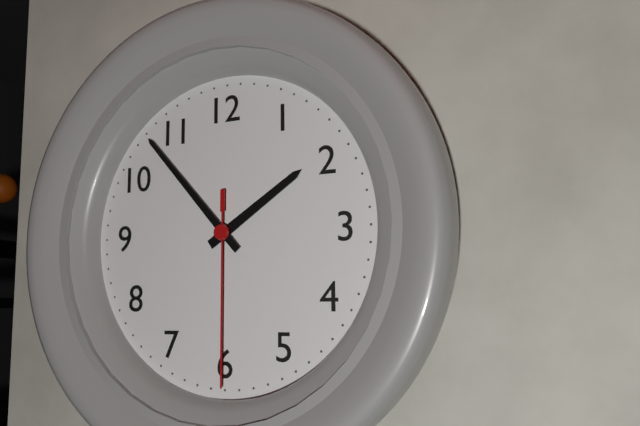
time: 1:53:30
